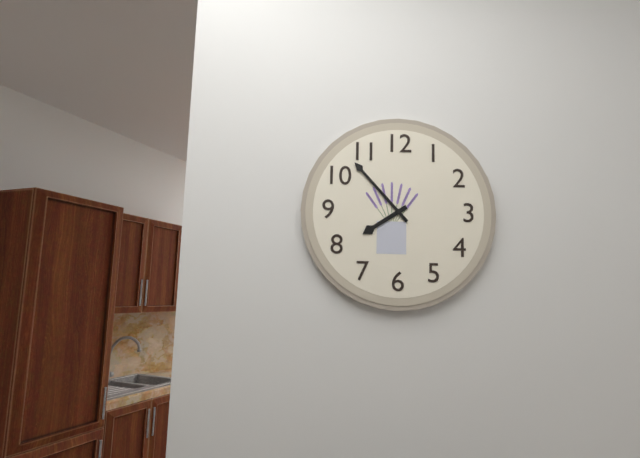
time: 7:53
